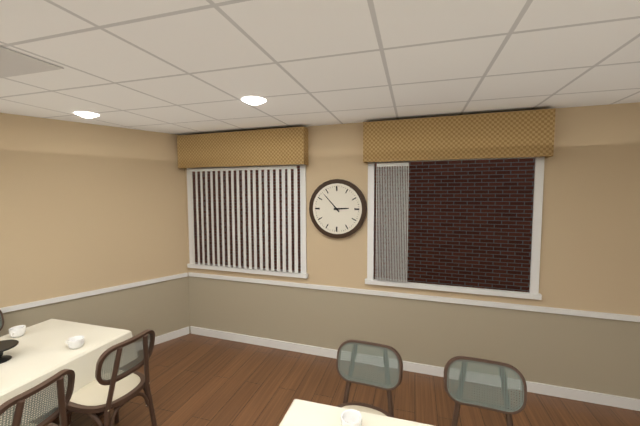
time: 2:53
